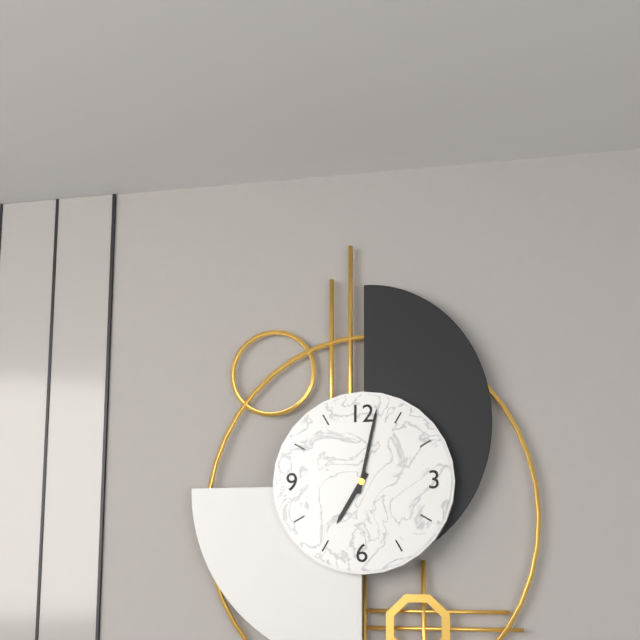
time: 7:02
